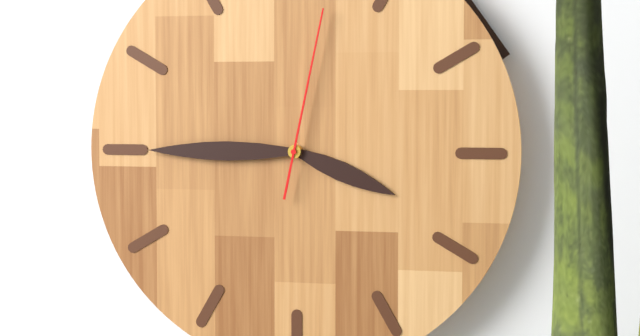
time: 3:45:02
